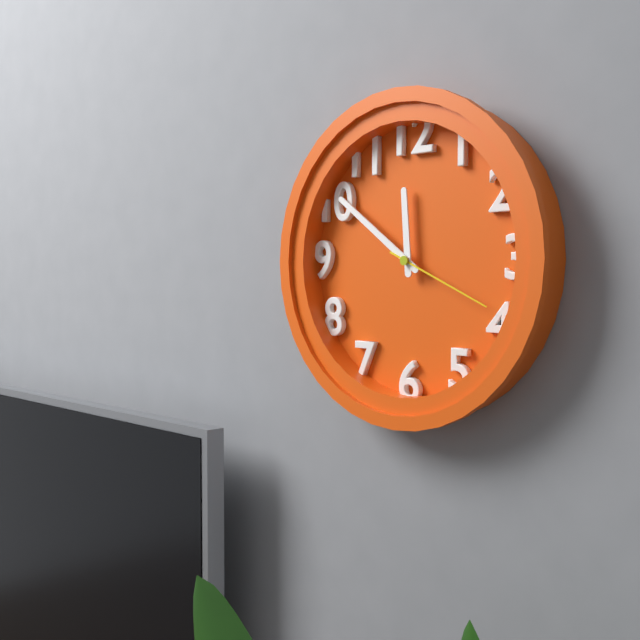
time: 11:51:19
